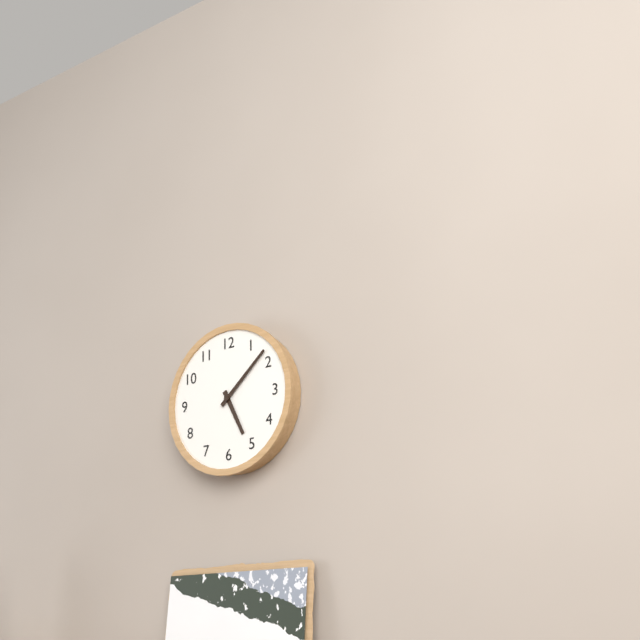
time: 5:08
